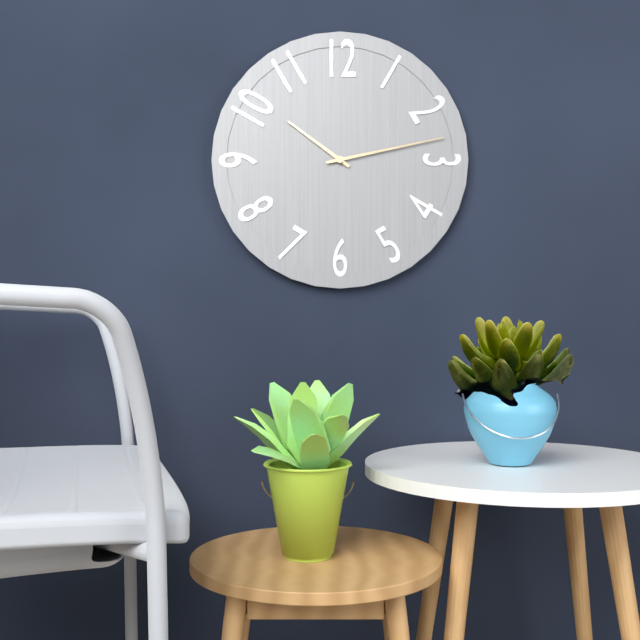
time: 10:13
